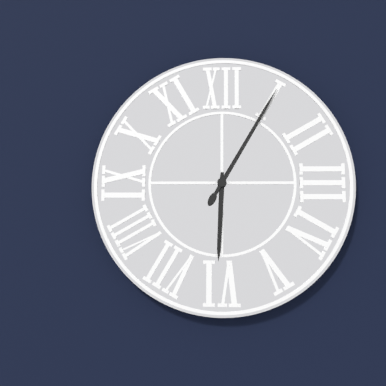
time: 6:05
